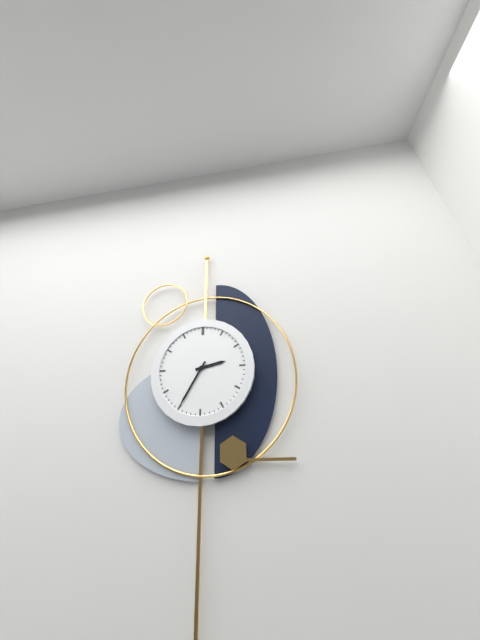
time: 2:35
